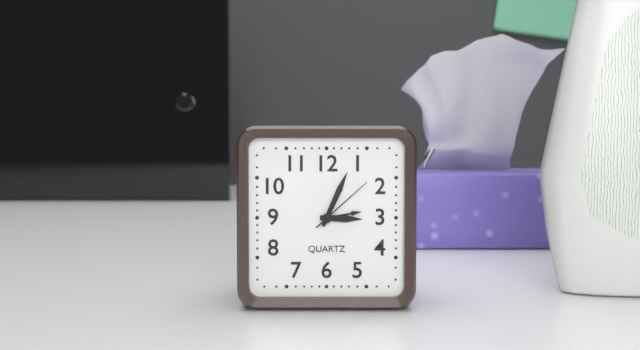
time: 3:04:08
